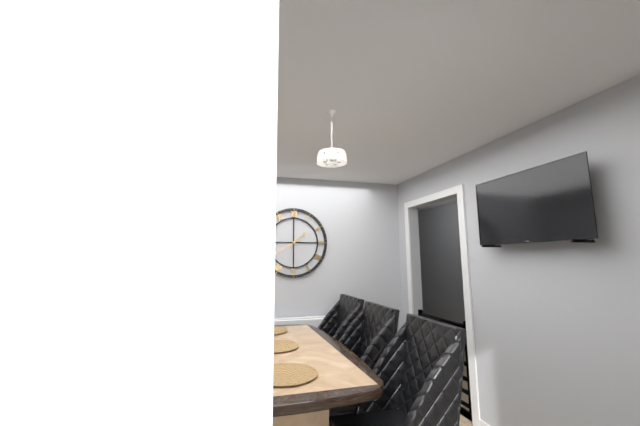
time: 1:40
